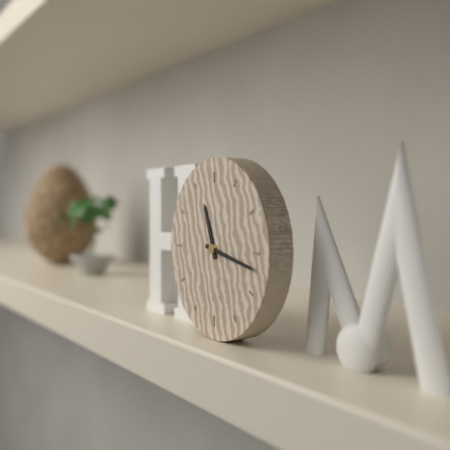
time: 11:17
